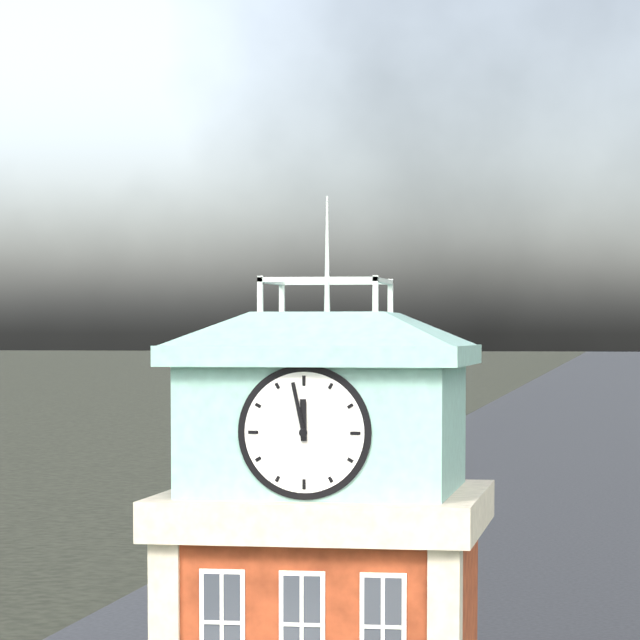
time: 11:58
